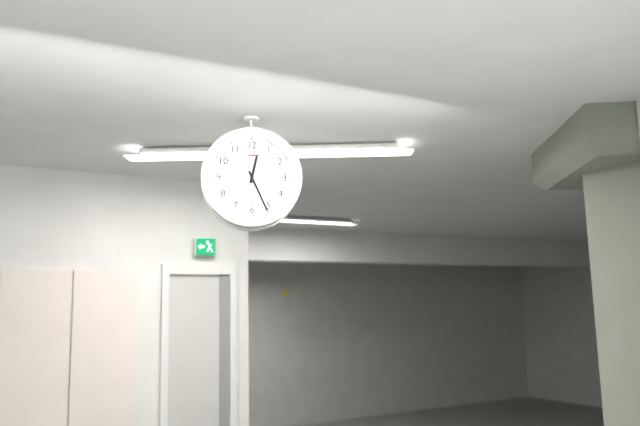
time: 12:26
